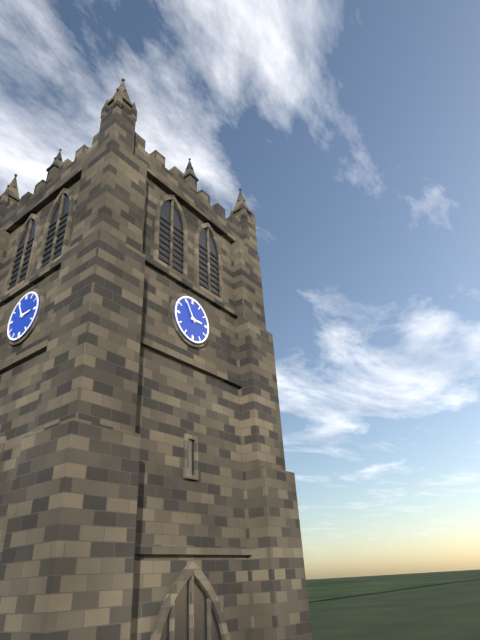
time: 2:55
